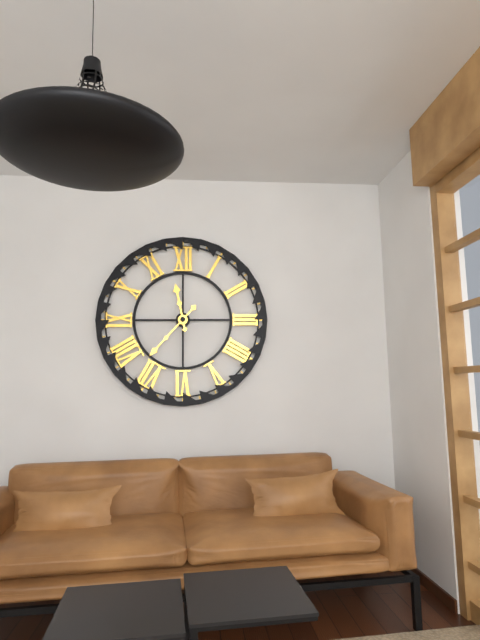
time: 11:37
